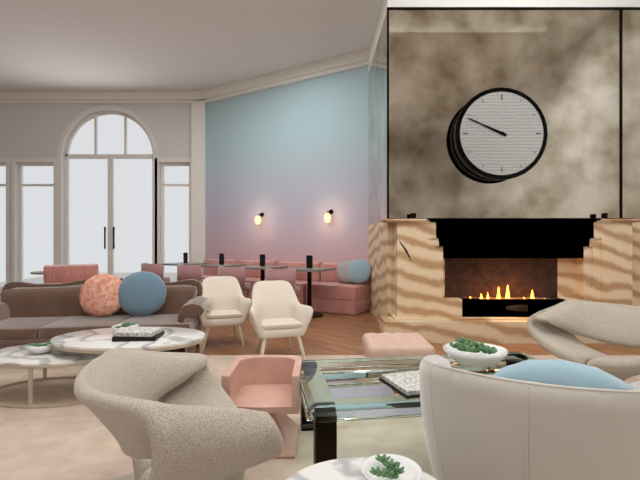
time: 9:49
